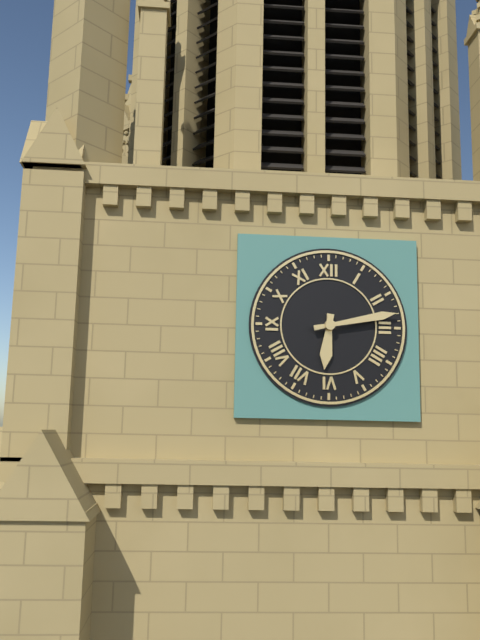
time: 6:13
